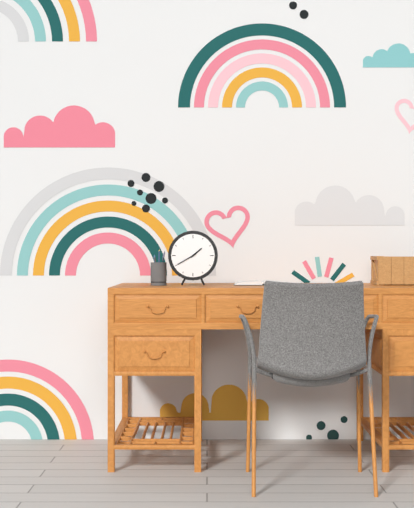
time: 1:40
